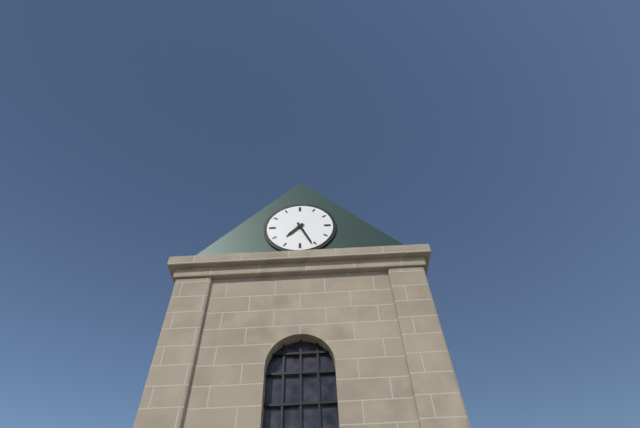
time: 7:26
